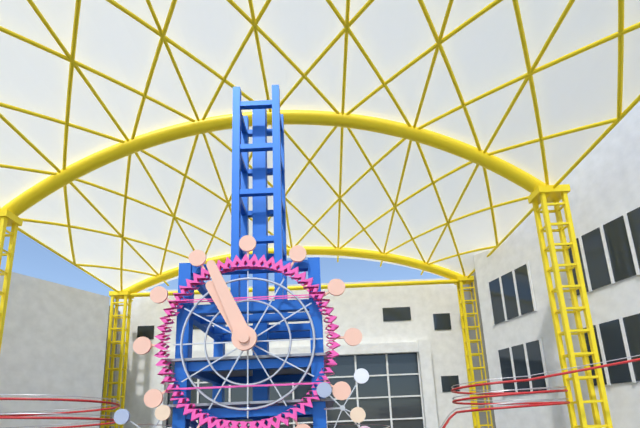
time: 10:56
